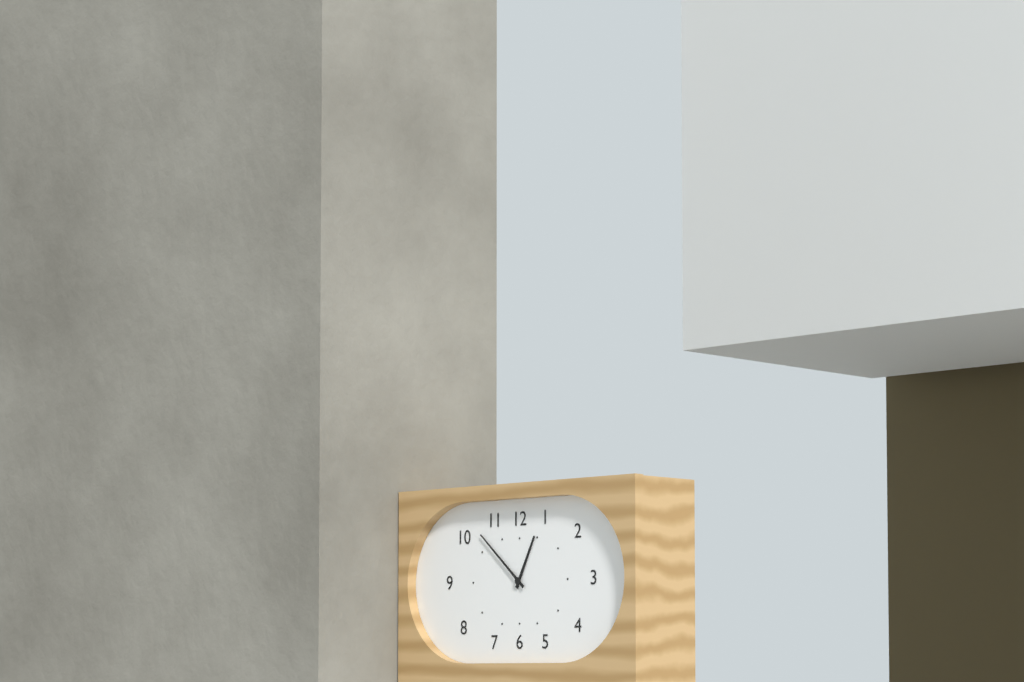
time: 12:52
